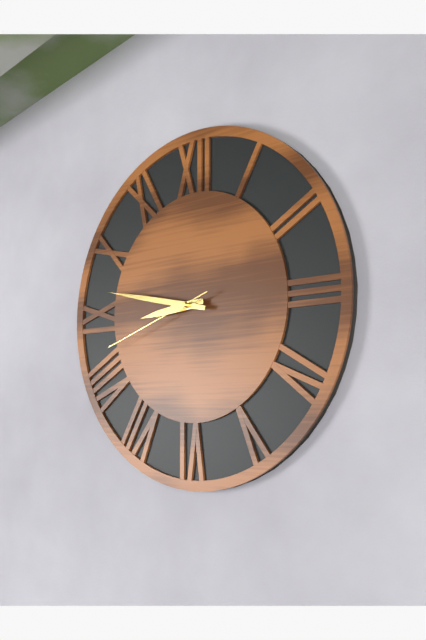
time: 8:47:42
